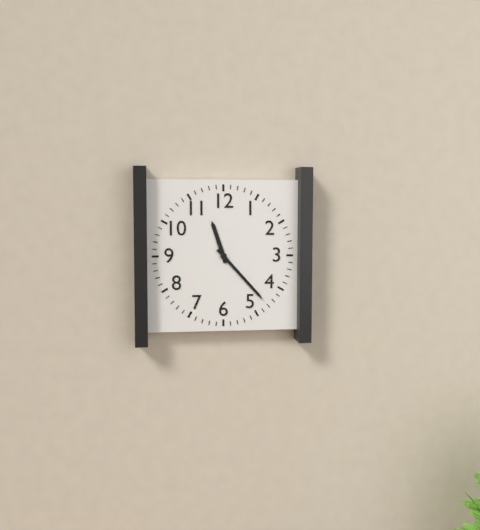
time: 11:23
